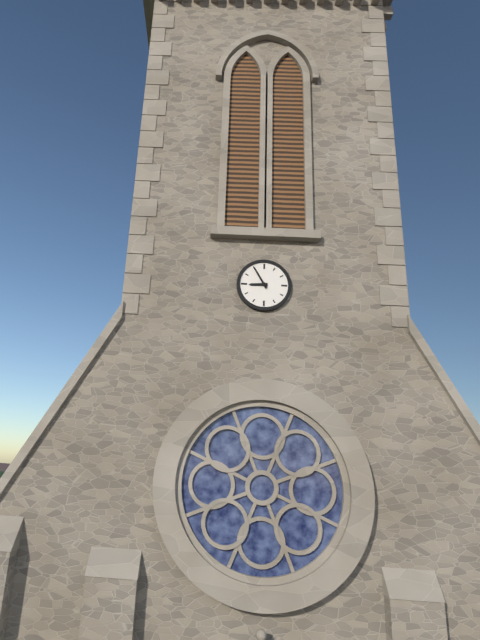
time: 8:55
